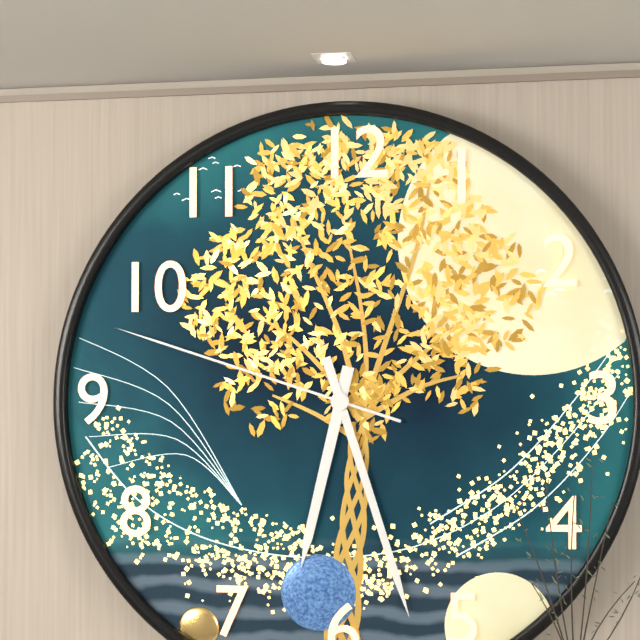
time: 6:27:48
